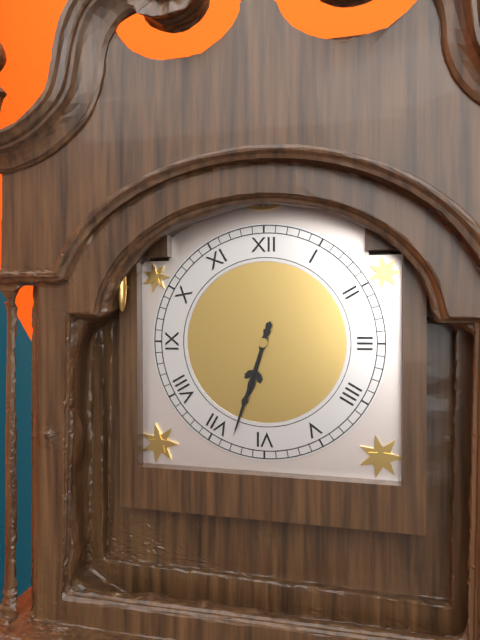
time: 6:33
